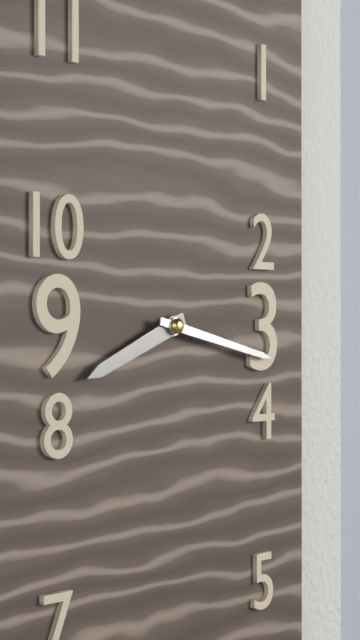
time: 8:17
